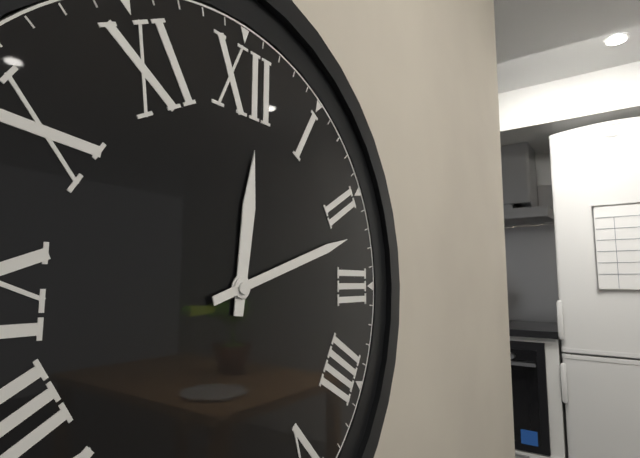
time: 12:12
